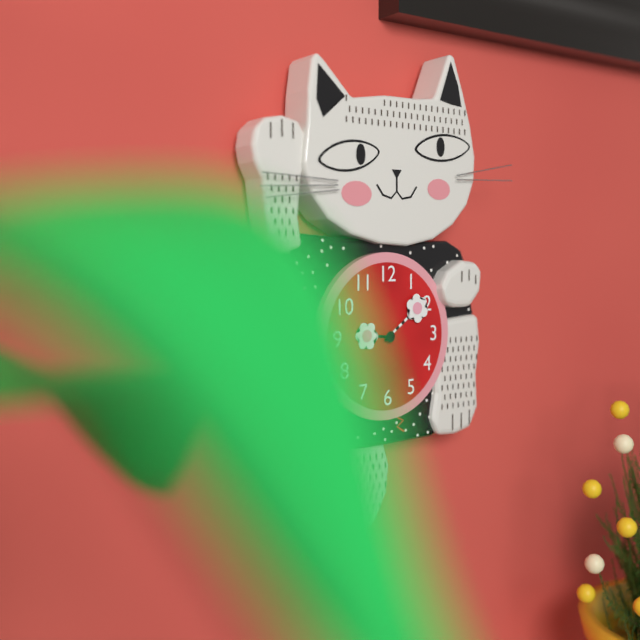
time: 9:09
